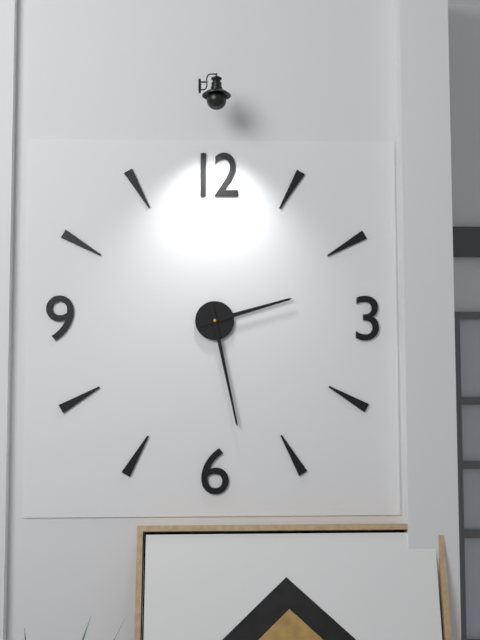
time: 2:28
